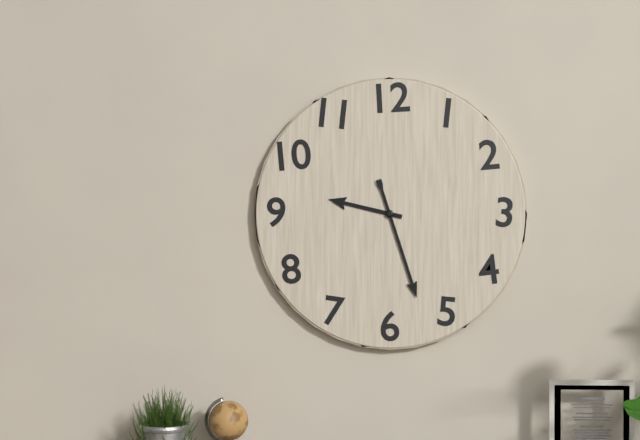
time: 9:27
